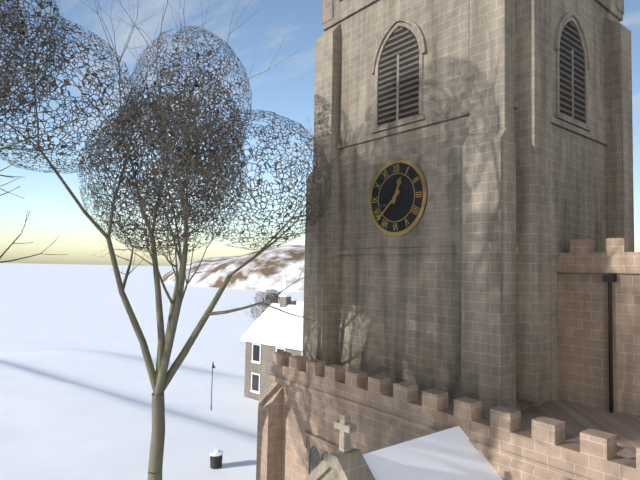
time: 12:38
